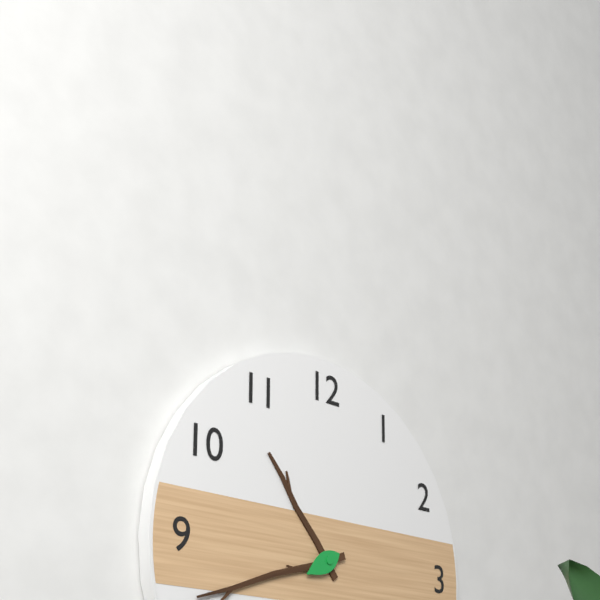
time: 10:42
